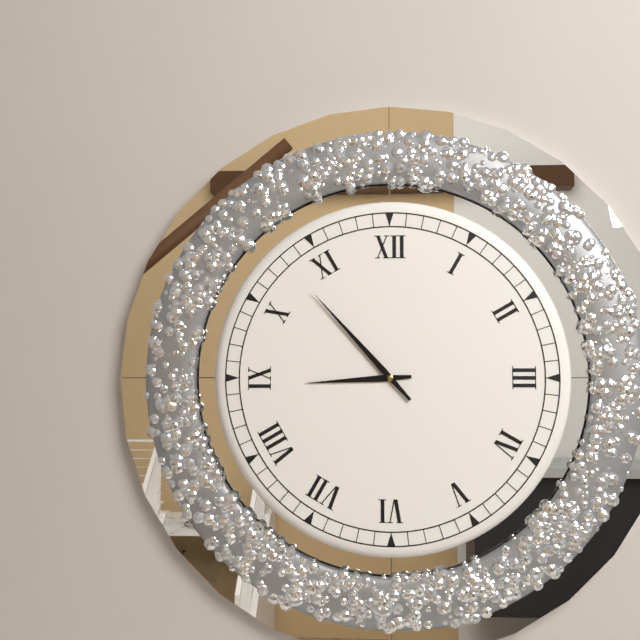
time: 8:53
